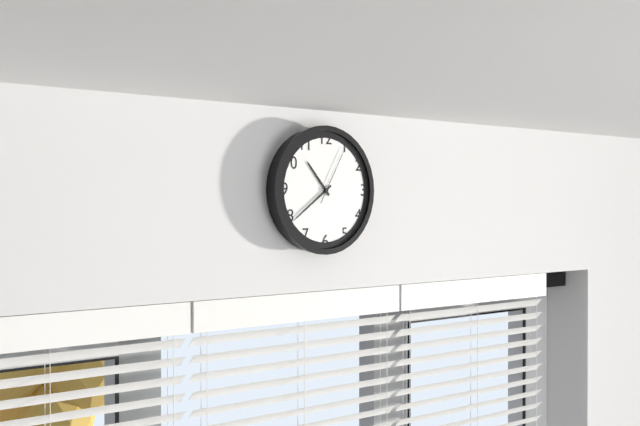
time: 10:39:05
